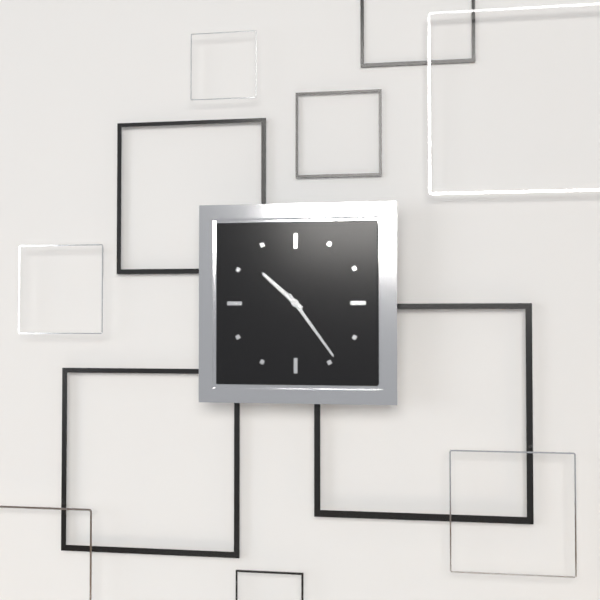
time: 10:24
